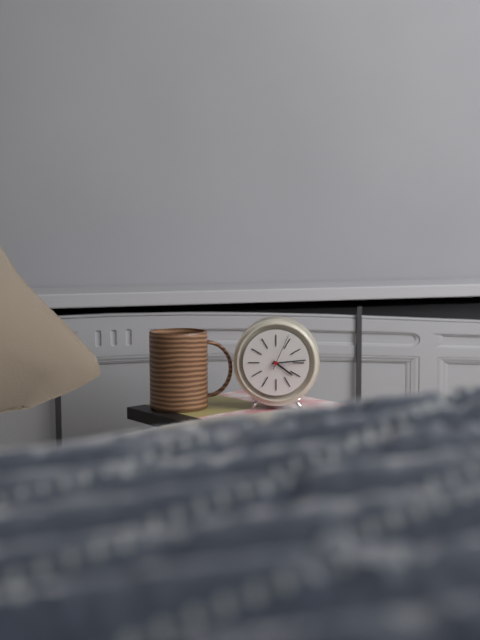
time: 4:14
